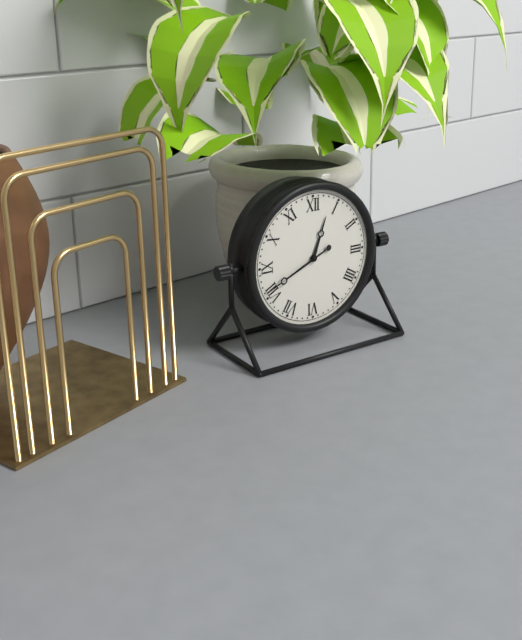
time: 12:41
